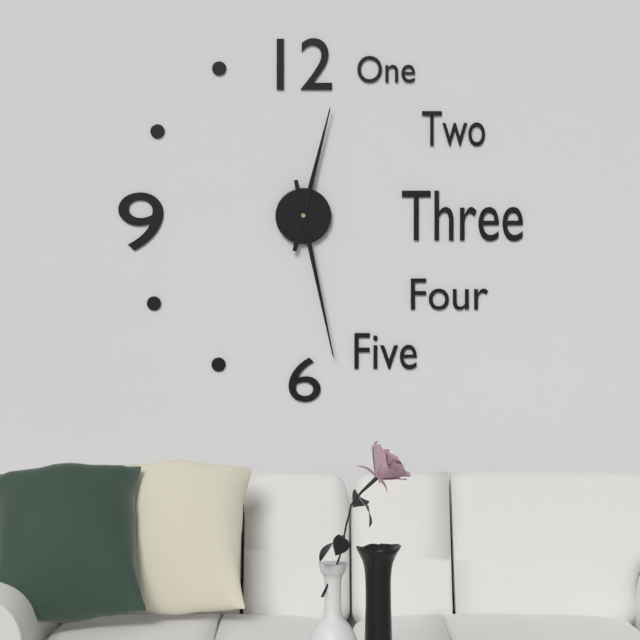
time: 12:28
